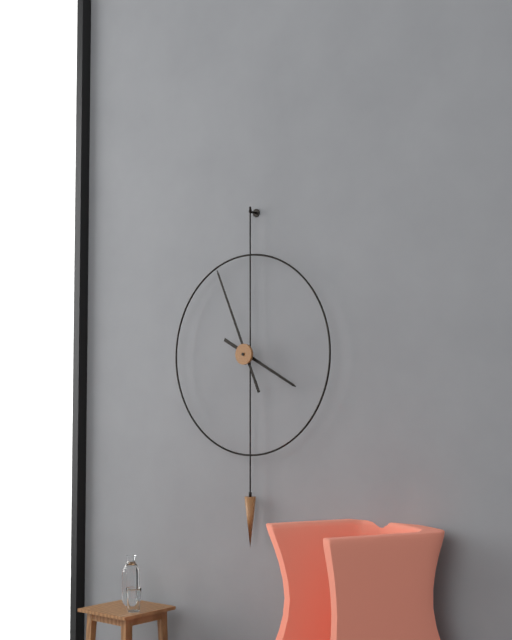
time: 3:56
